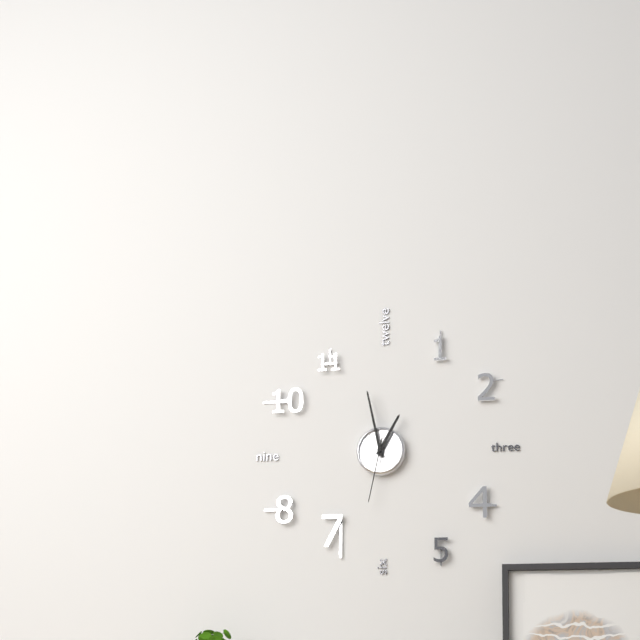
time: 12:58:32
